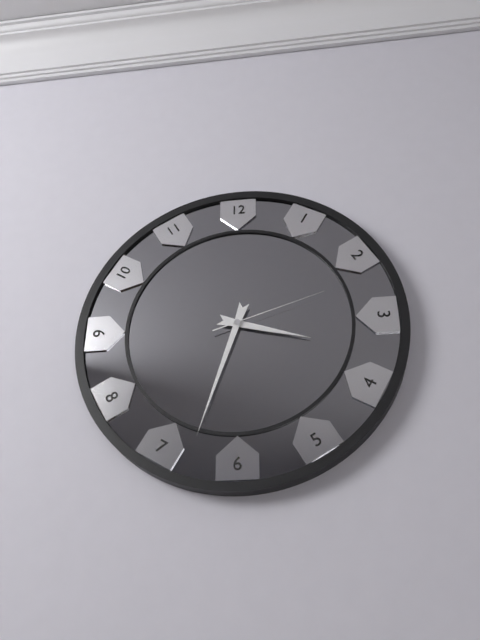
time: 3:33:12
